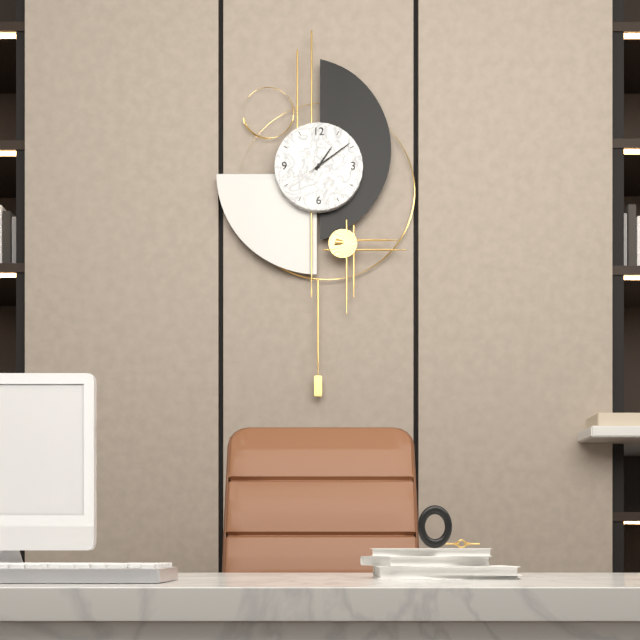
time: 1:09
